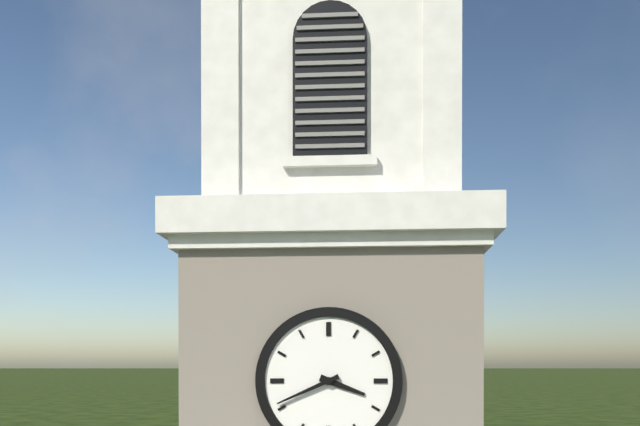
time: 3:41
